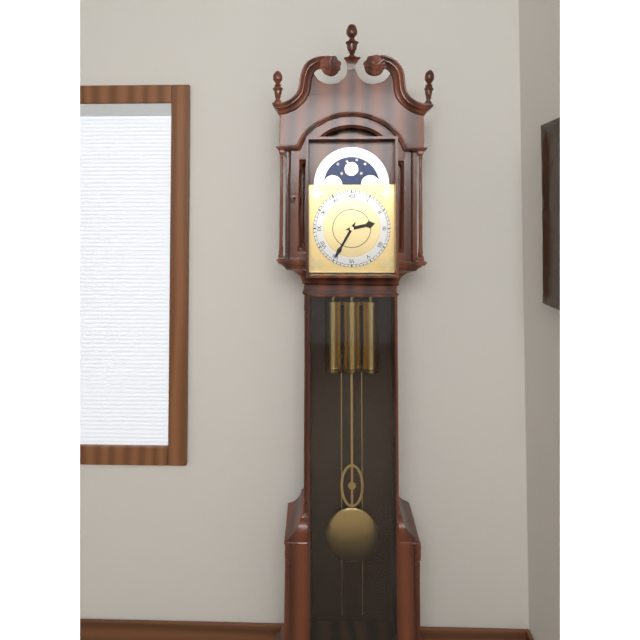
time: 2:35
